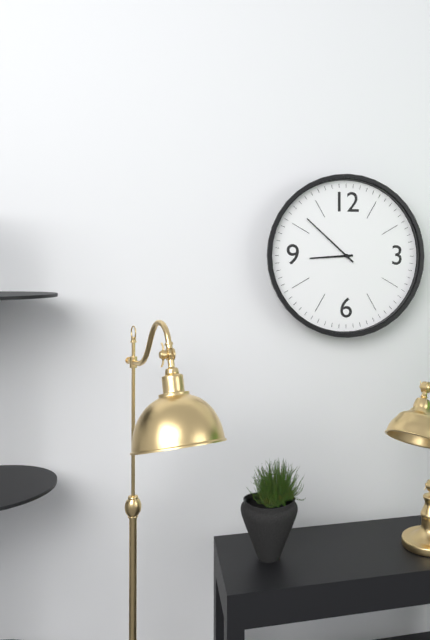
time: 8:52
